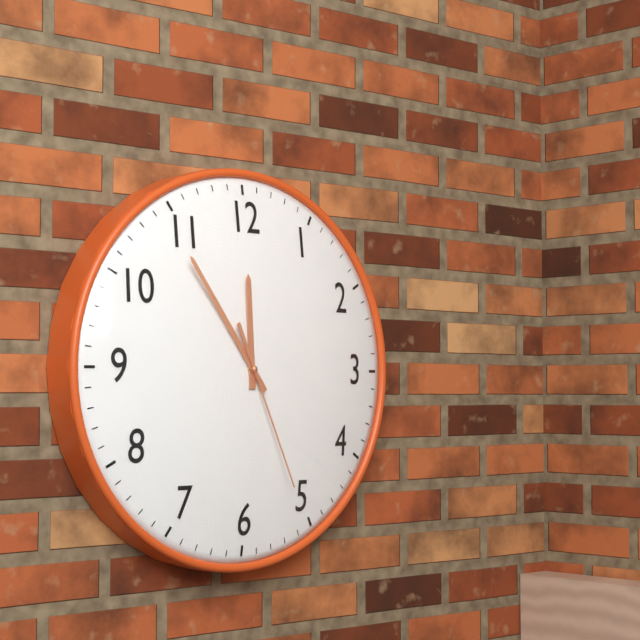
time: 11:54:26
